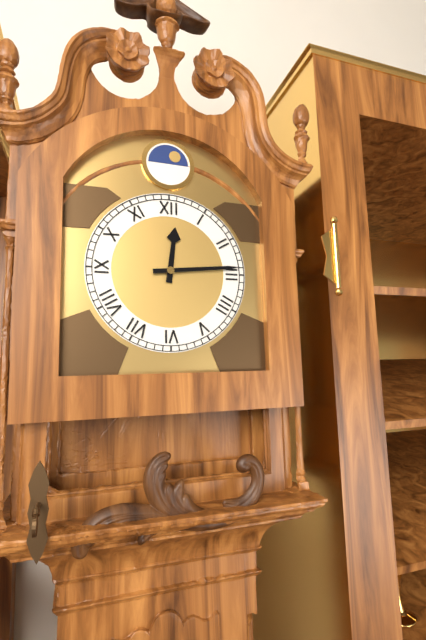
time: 12:14
